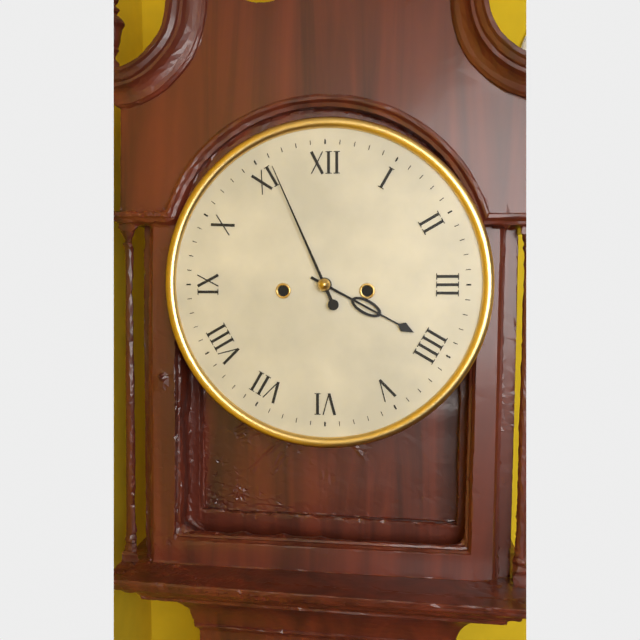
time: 3:56
